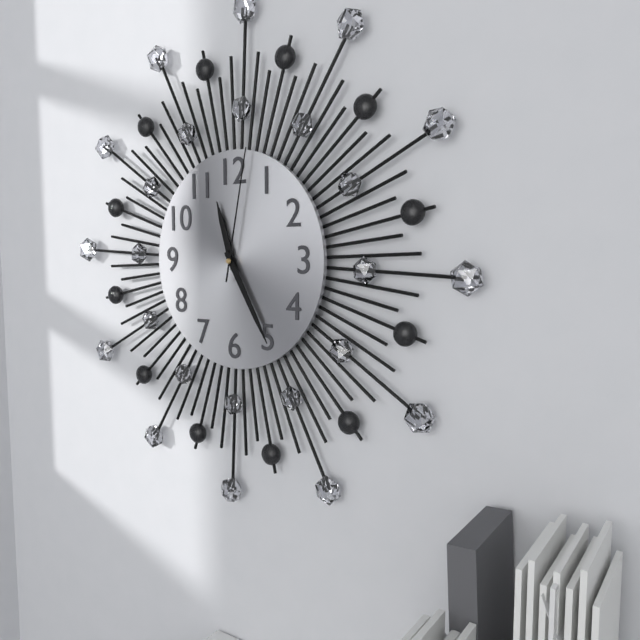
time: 11:25:02
